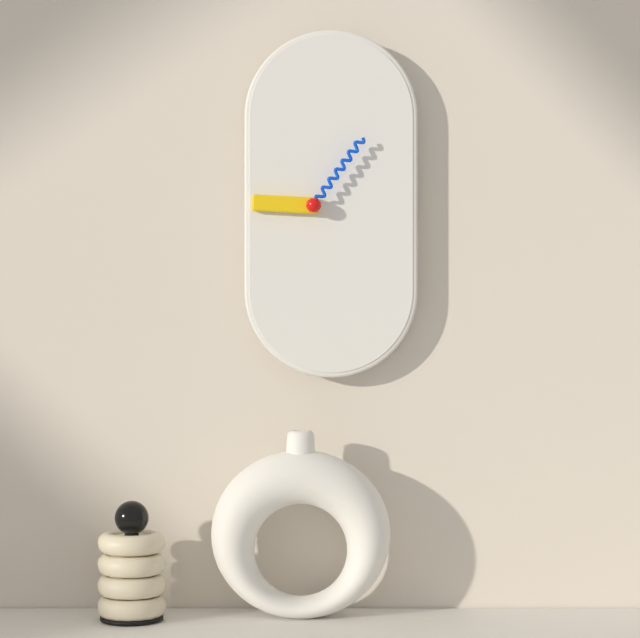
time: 9:06
